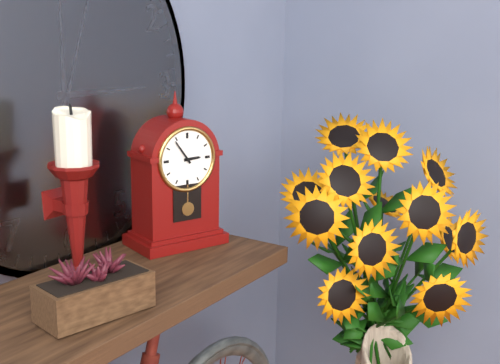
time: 2:54
